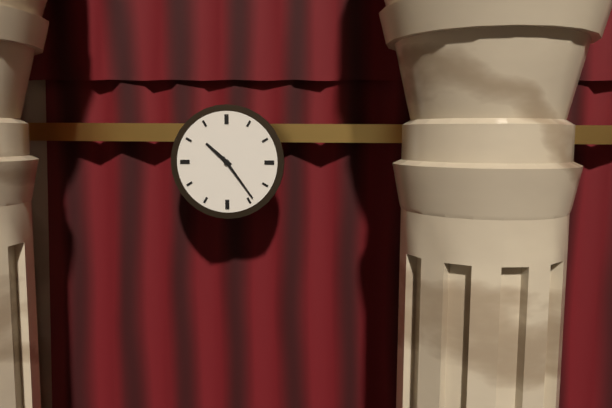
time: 10:24
